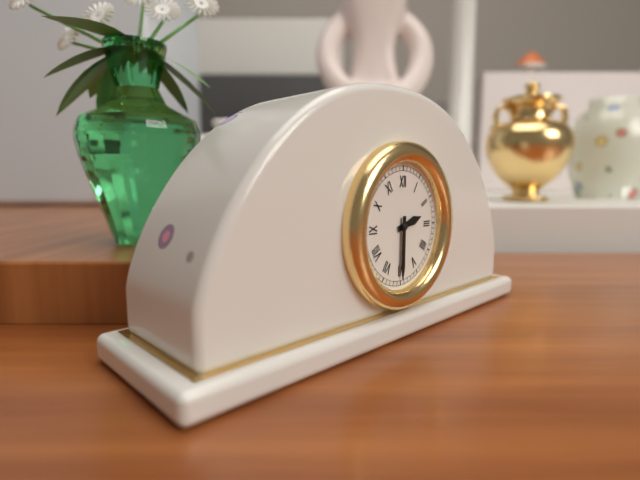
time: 2:30
